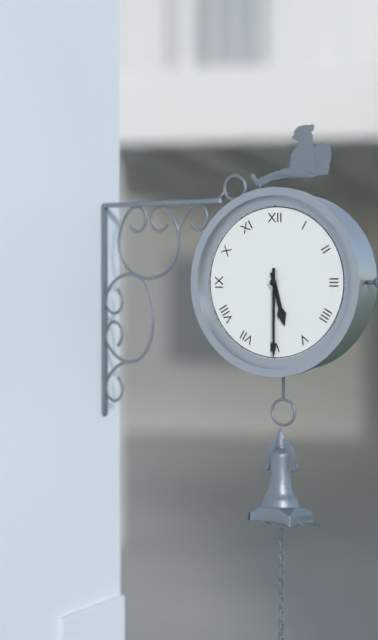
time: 5:30
